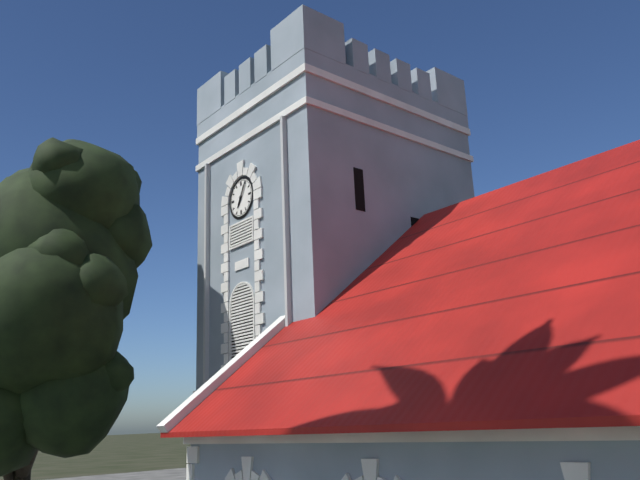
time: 7:05
